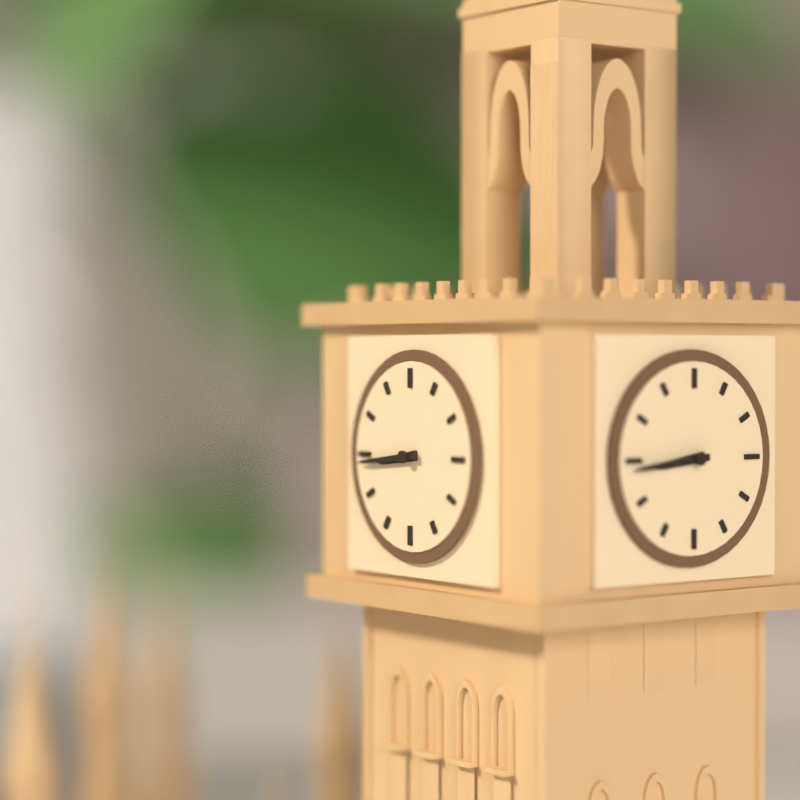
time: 8:44
